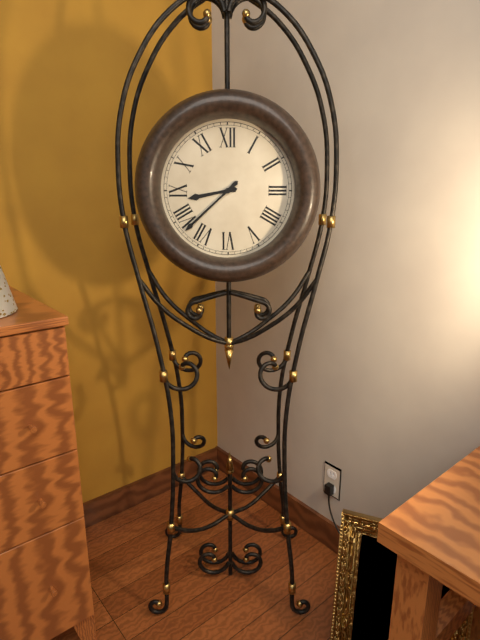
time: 8:38
